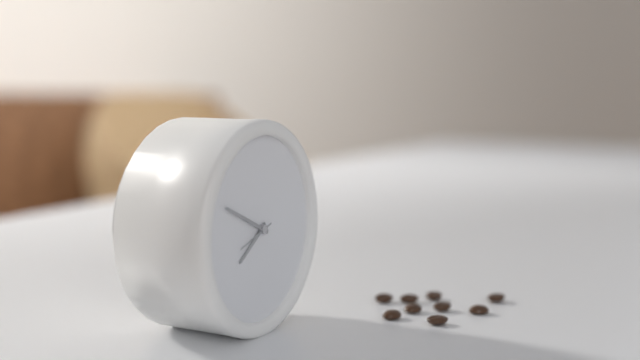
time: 7:49
